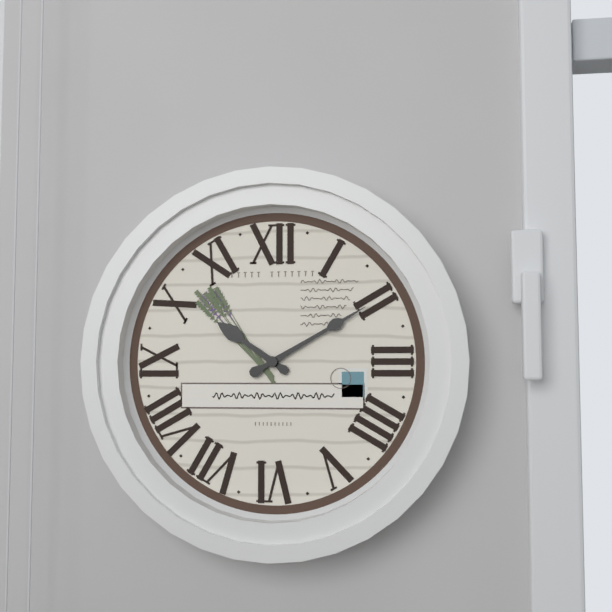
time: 10:10
